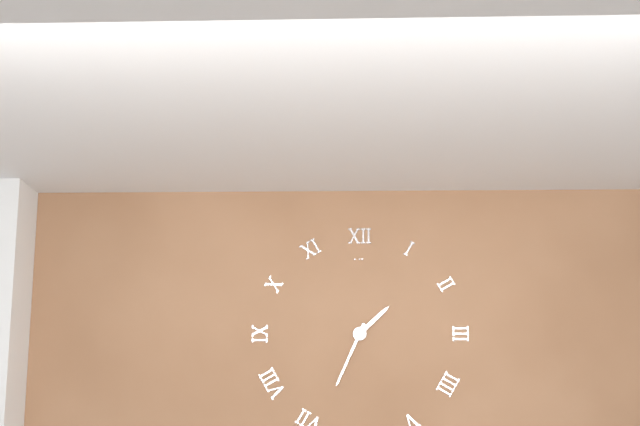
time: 1:34
